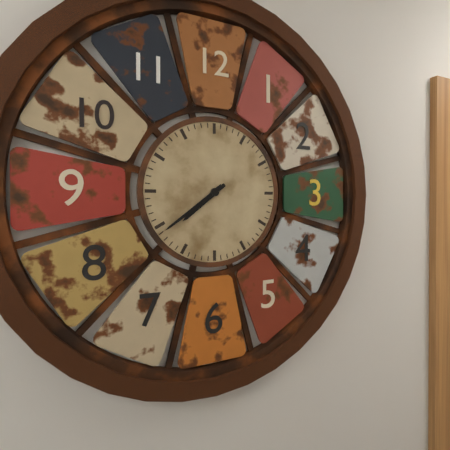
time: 7:39
